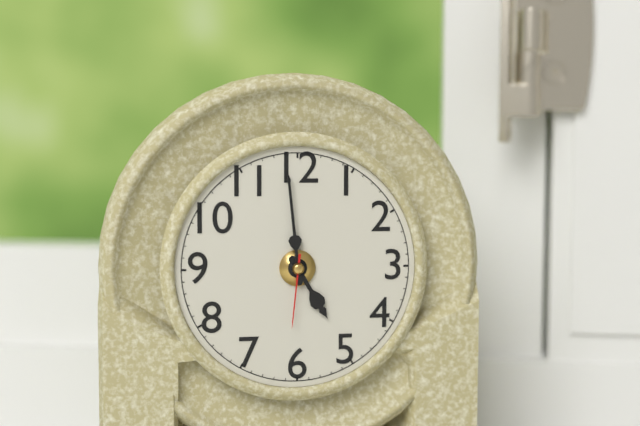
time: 4:59:31
